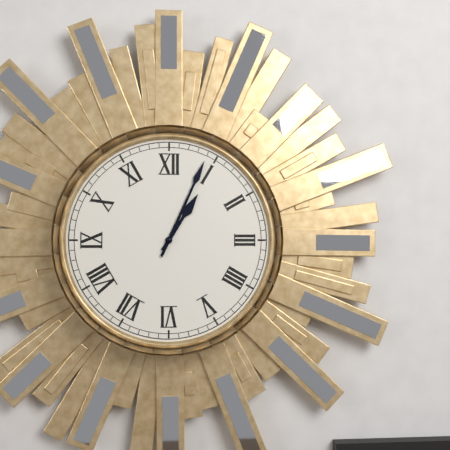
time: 1:04
